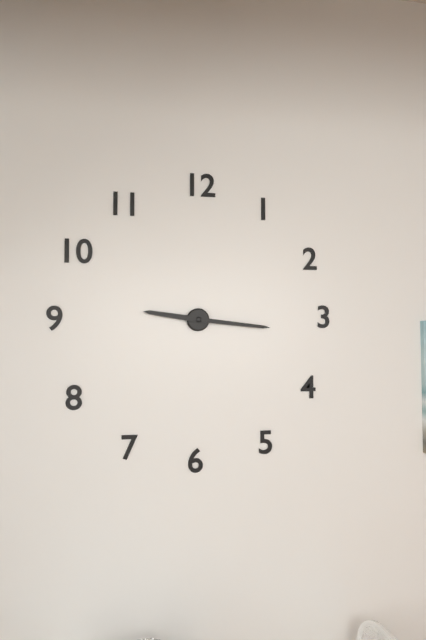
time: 9:16
